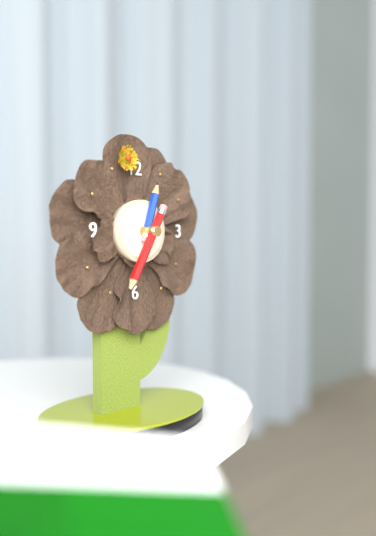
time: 12:35
